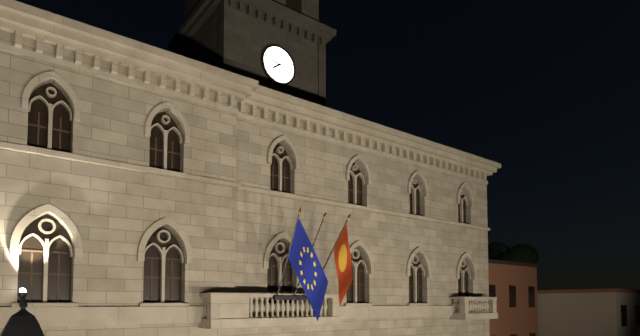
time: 7:47
